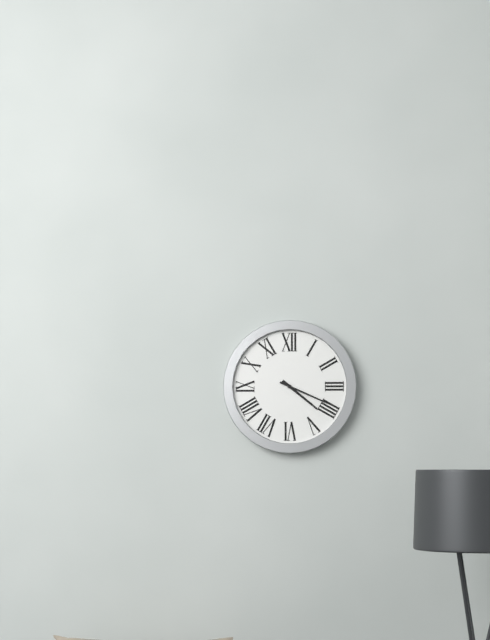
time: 4:19
